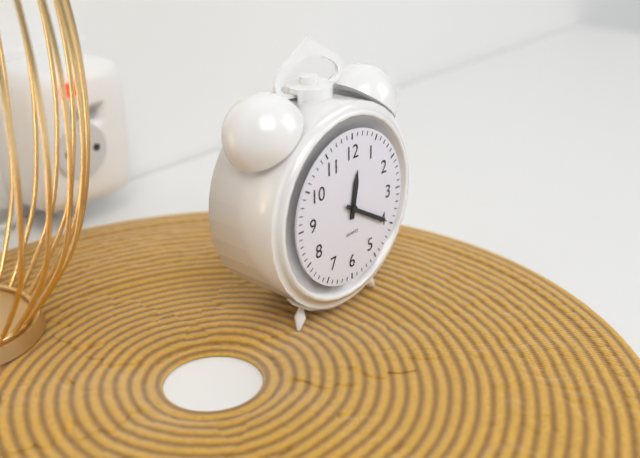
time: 12:20
